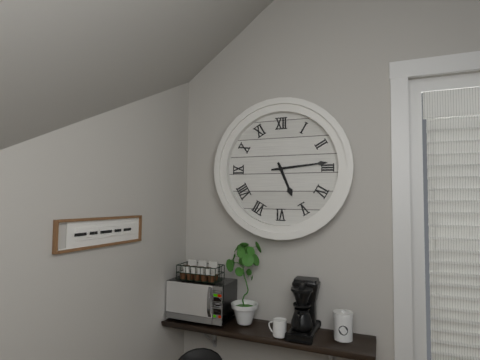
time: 5:14
